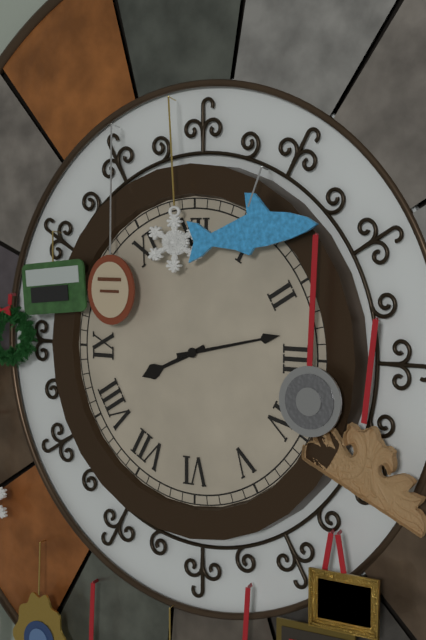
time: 8:13
